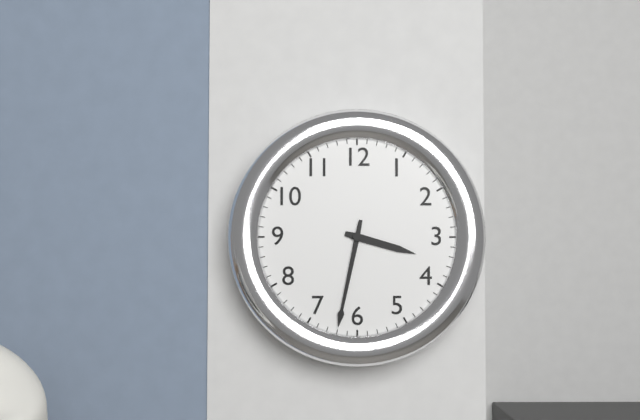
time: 3:32
